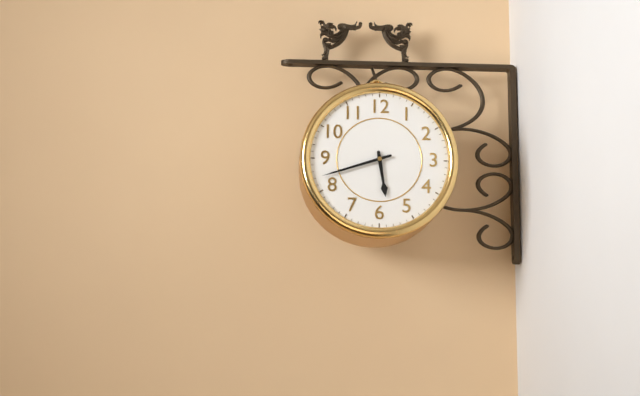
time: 5:42
